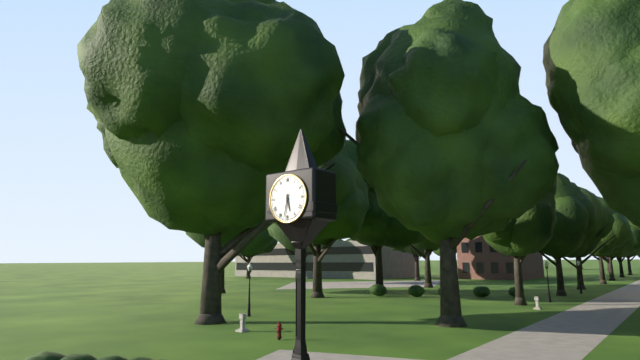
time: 5:32
